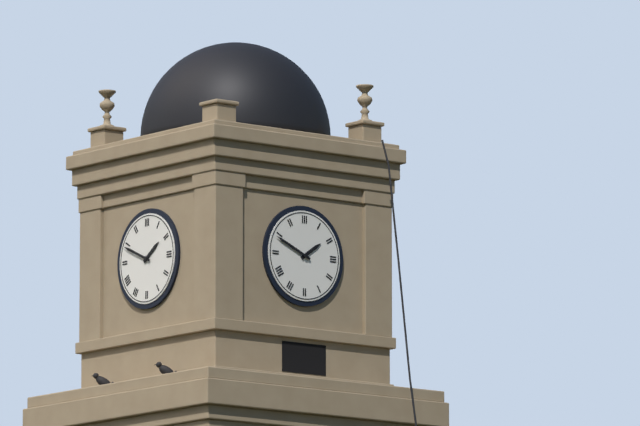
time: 1:49
